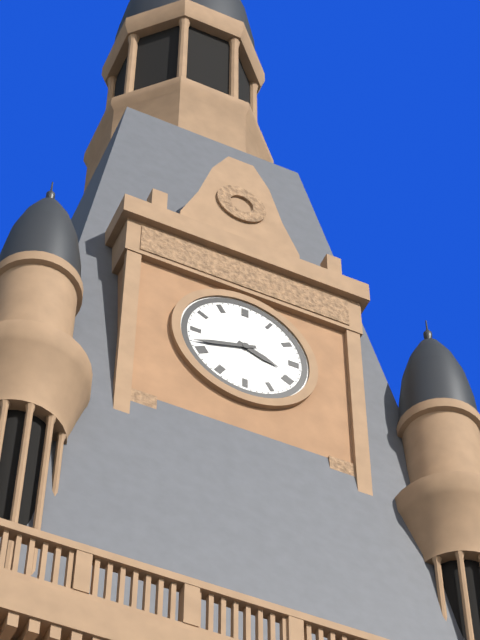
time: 3:42
